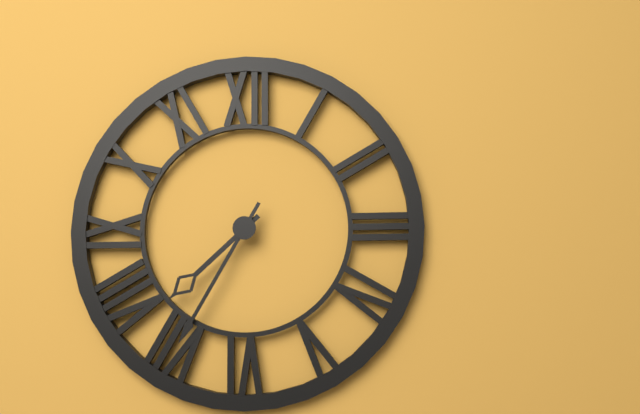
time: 7:35
